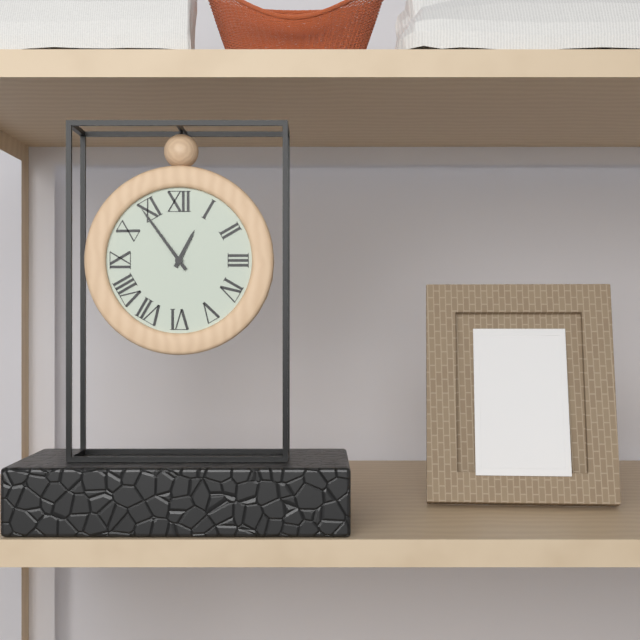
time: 12:54
